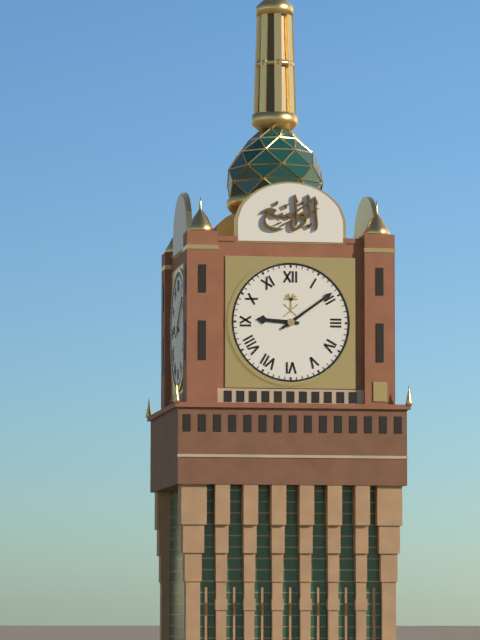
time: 9:09
